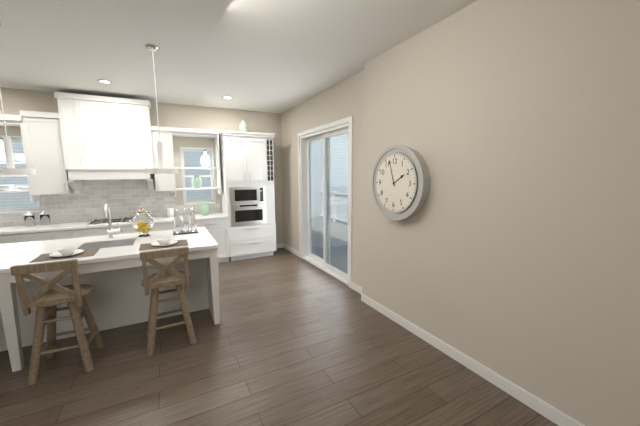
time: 1:57
